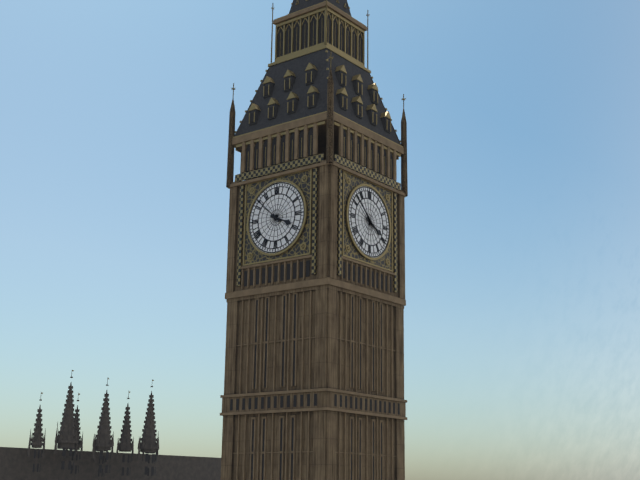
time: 3:52
